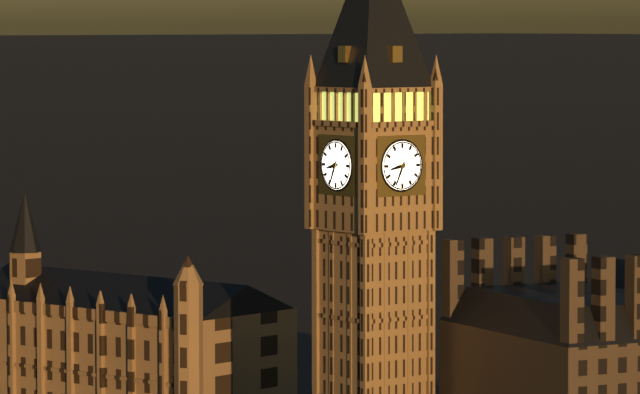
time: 8:34
